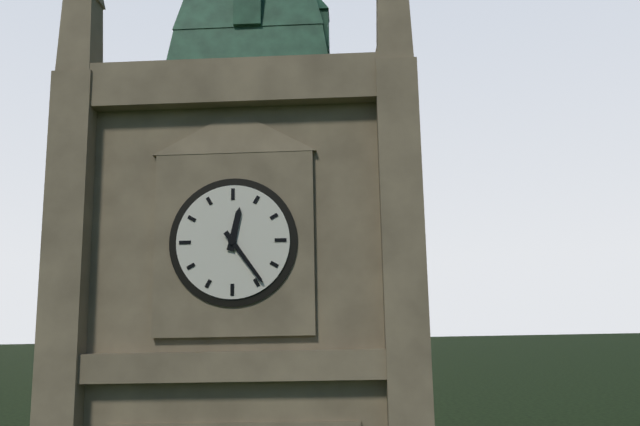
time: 12:24
